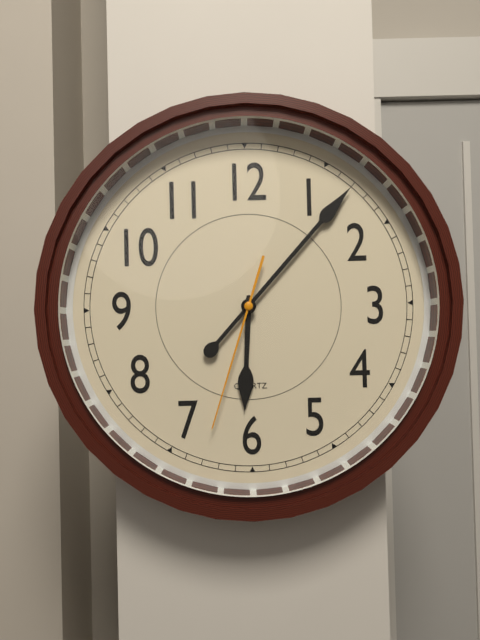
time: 6:07:33
